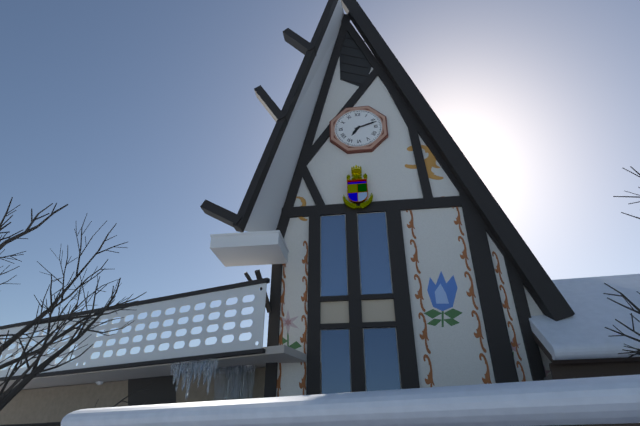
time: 7:12
